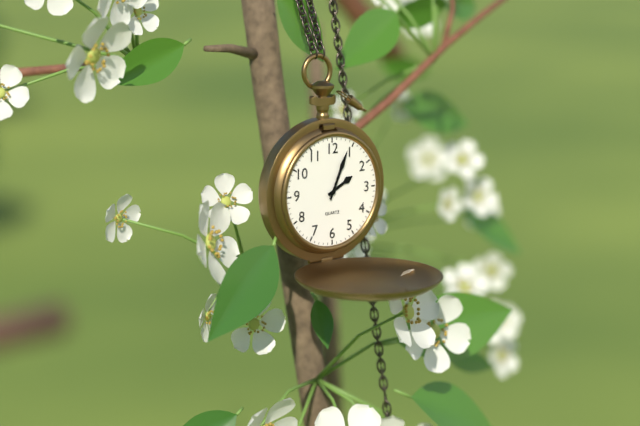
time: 2:04
